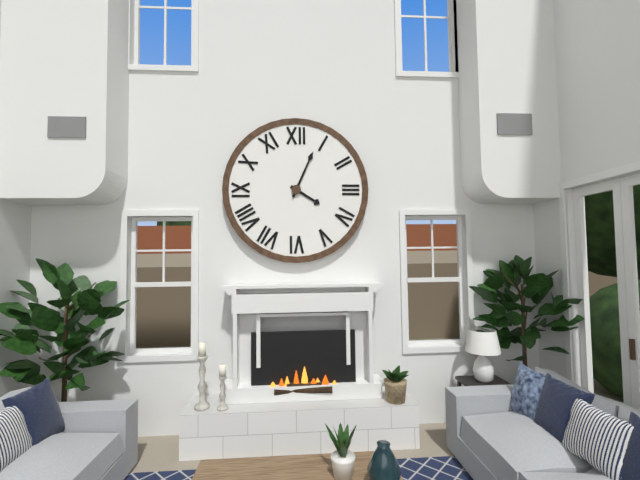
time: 4:04
